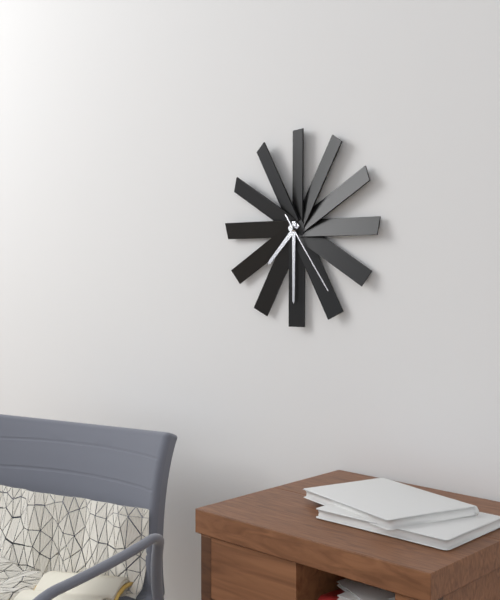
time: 7:30:24
